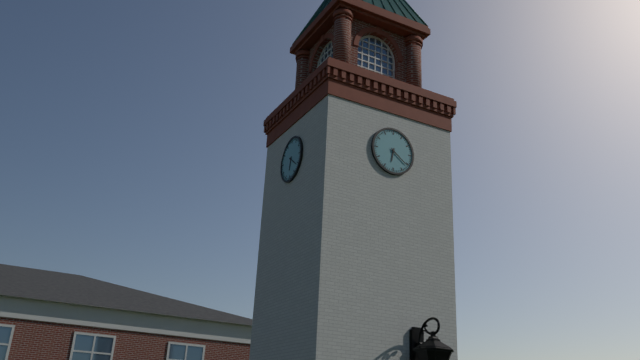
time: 6:21
